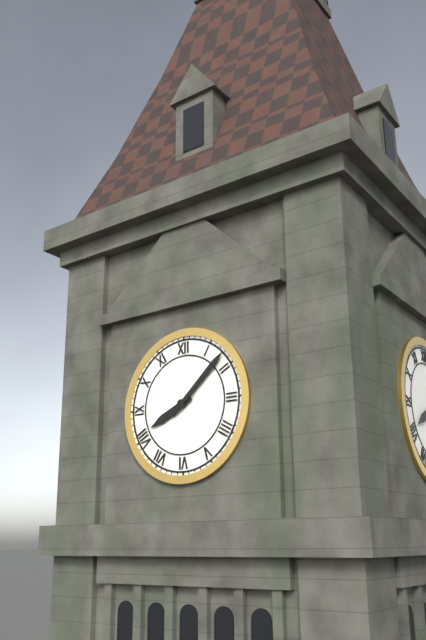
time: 8:08
